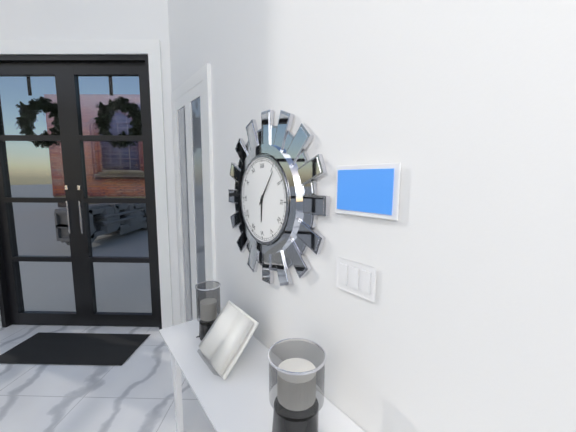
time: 6:06
